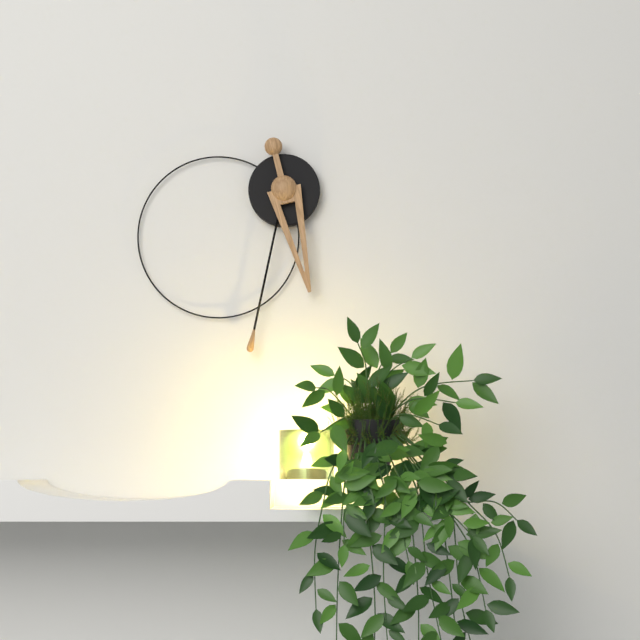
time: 5:32
